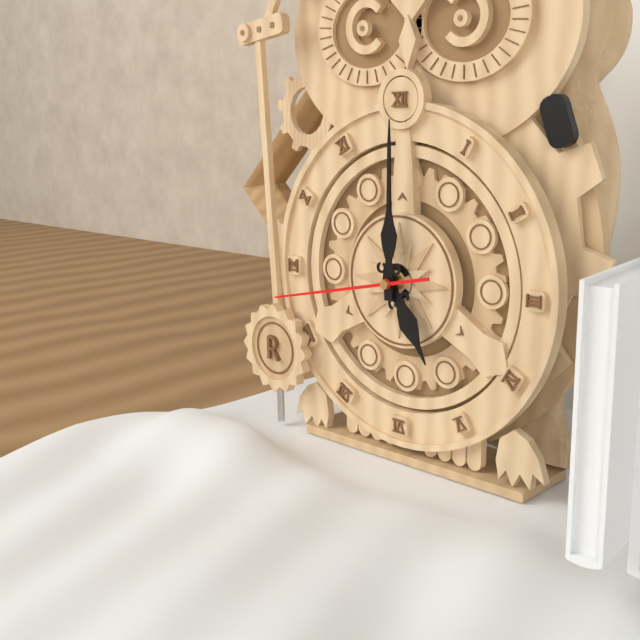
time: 5:00:43
